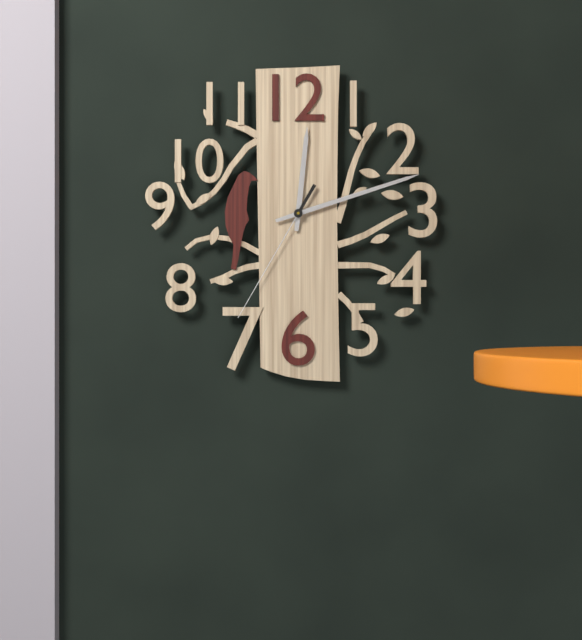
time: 12:12:35
